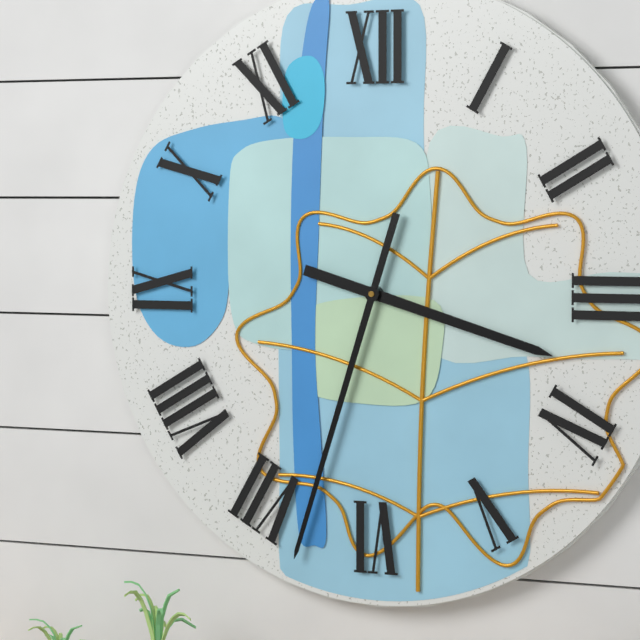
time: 3:33
